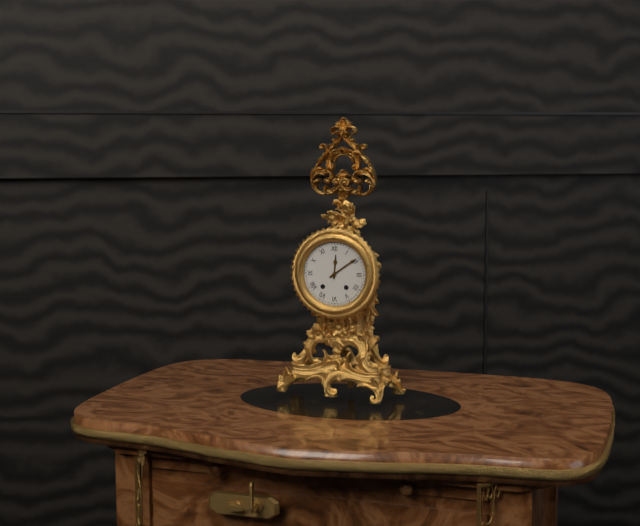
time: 12:09
